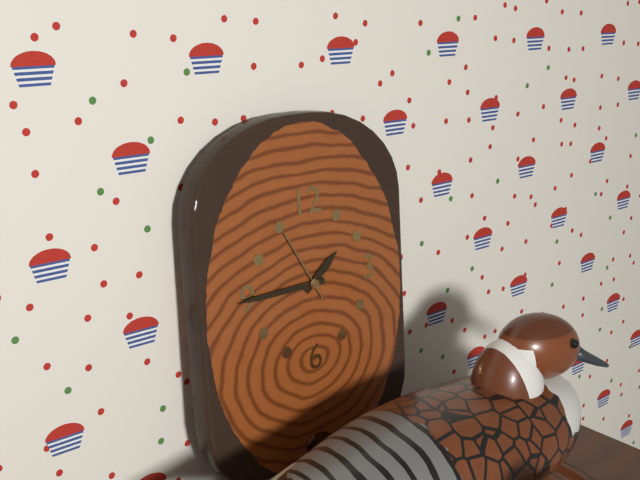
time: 1:45:55
